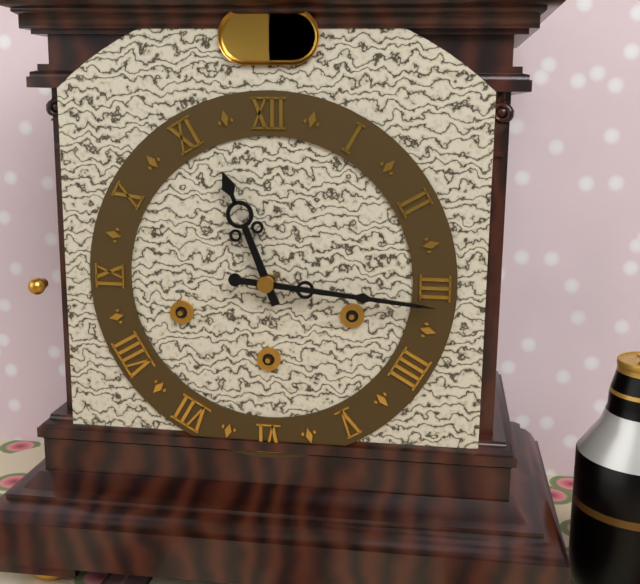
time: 11:16
